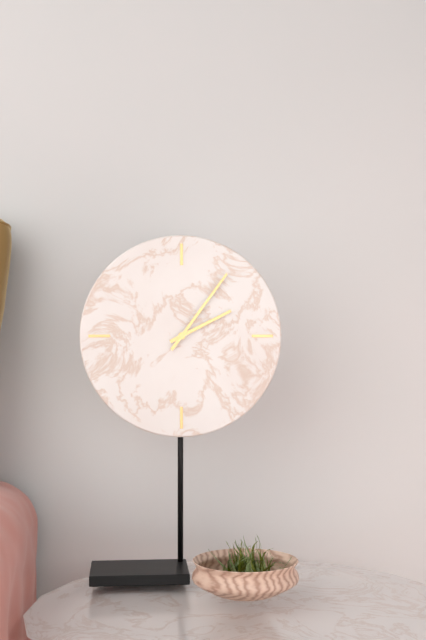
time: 2:06
